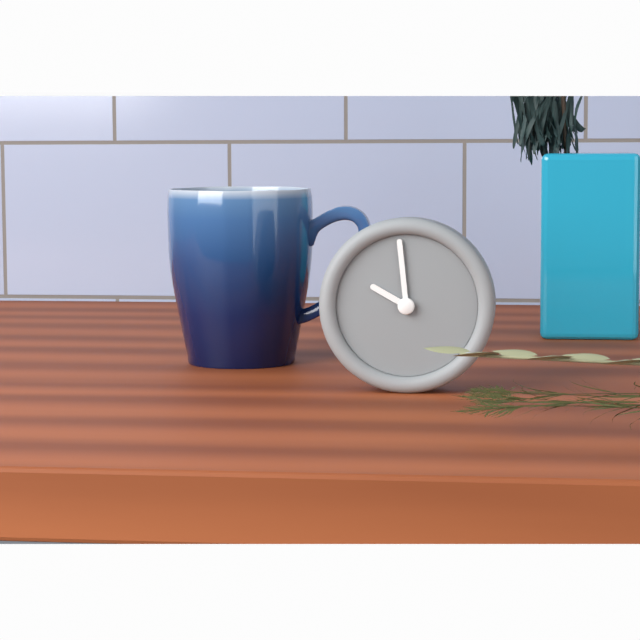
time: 9:59
